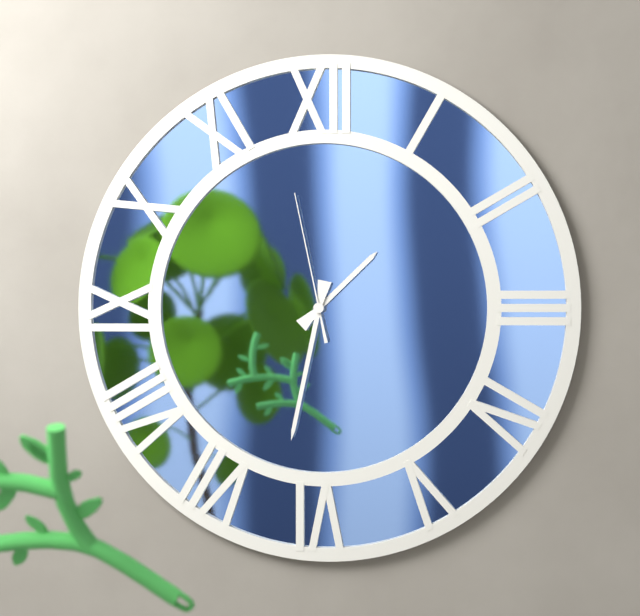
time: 1:32:58
